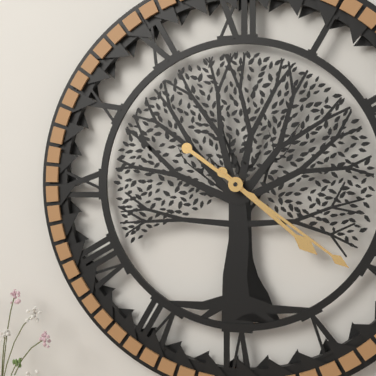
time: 4:21
